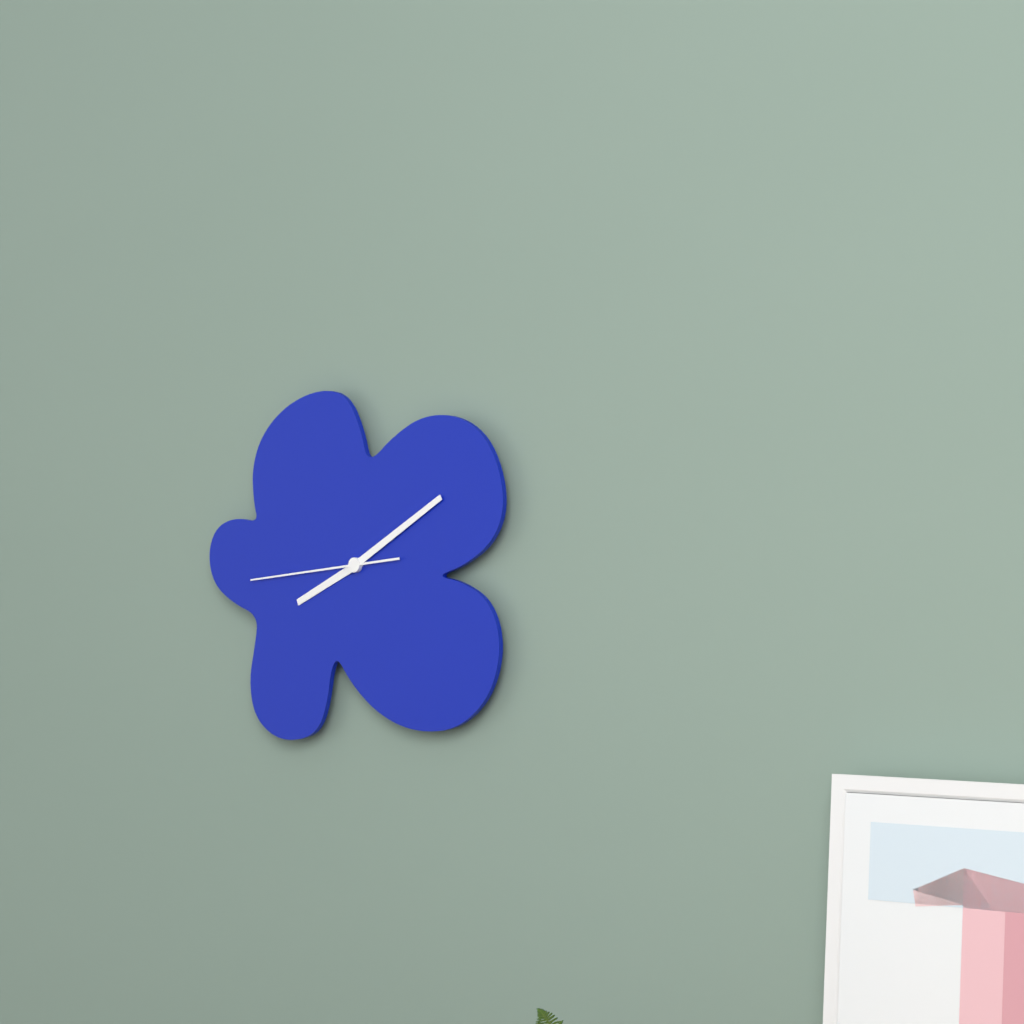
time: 8:10:44
